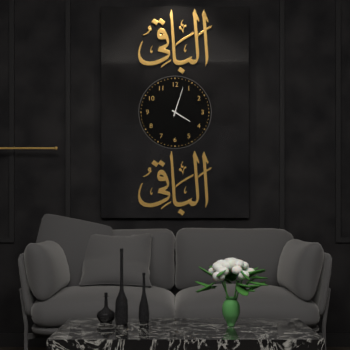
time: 4:03
